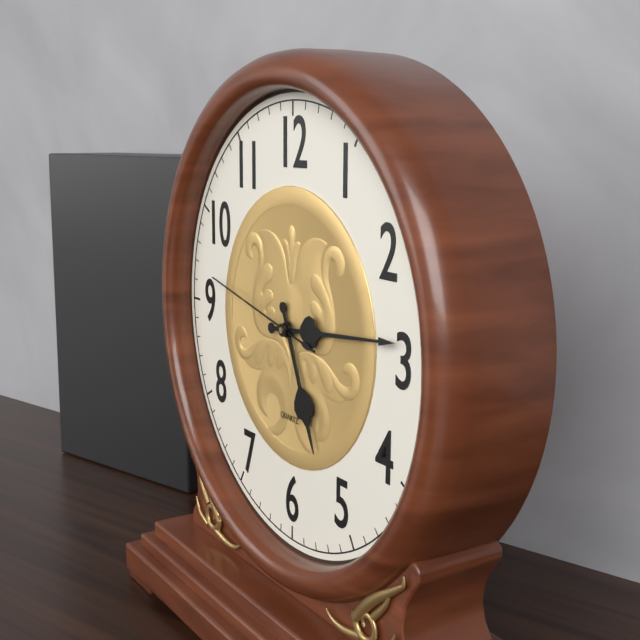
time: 5:14:47
